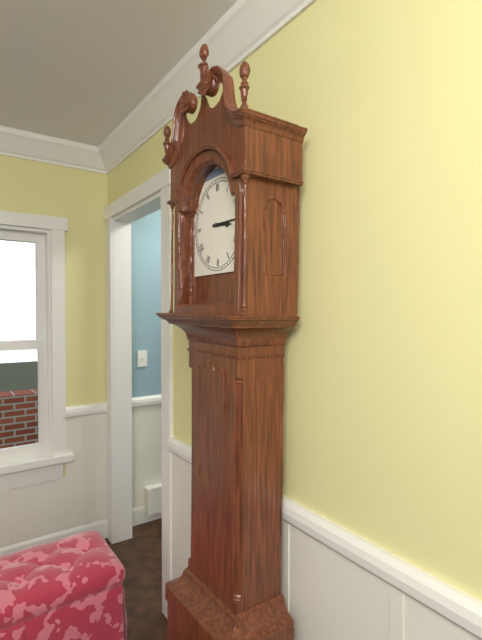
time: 3:15
